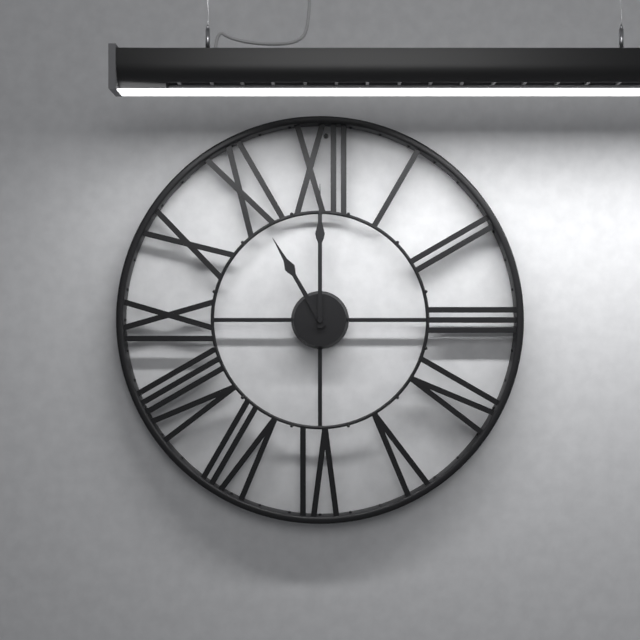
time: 11:00
